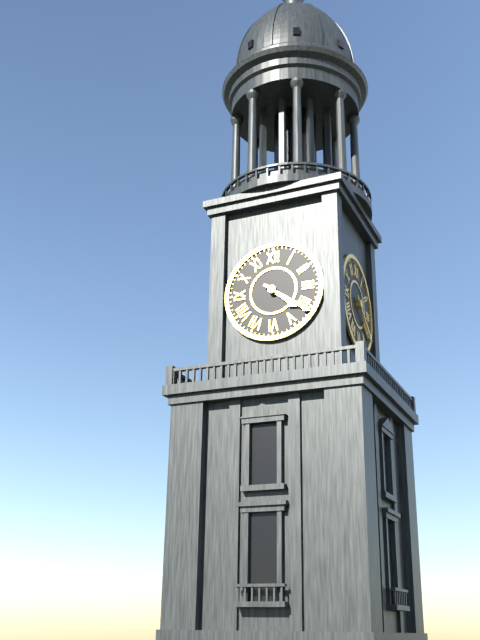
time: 4:21
